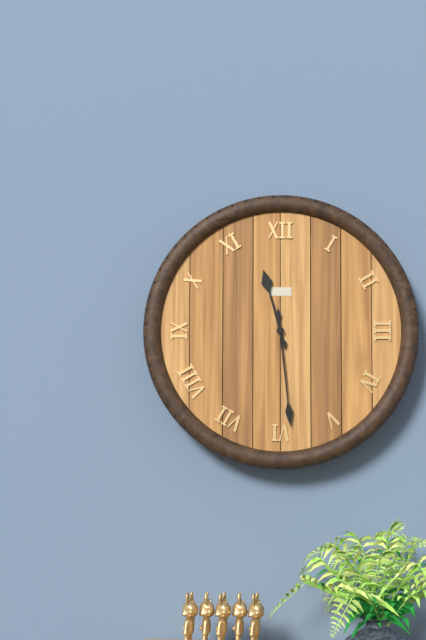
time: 11:29
